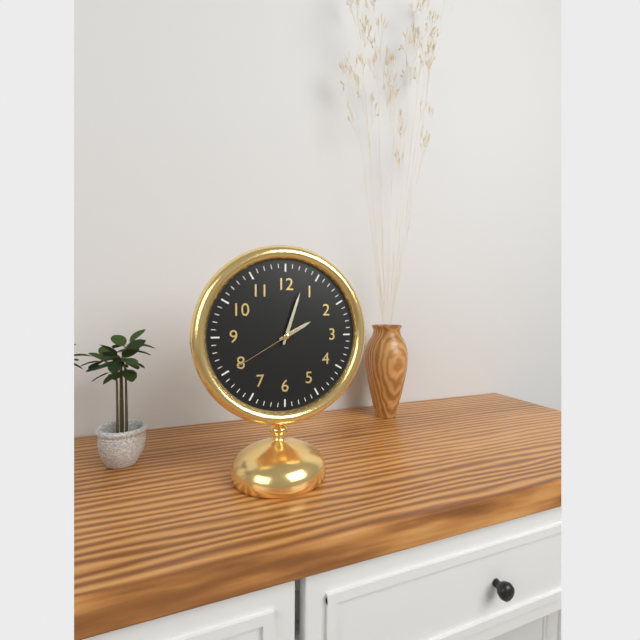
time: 2:03:40
